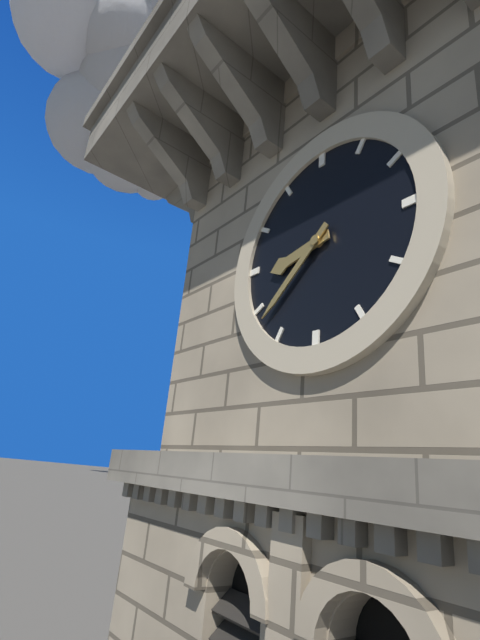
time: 8:38
